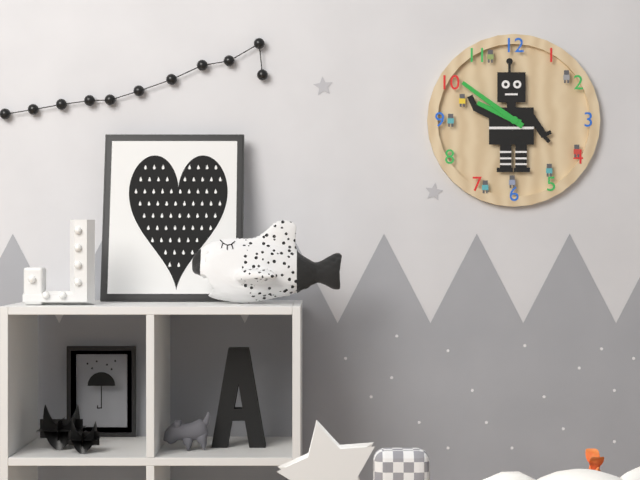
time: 9:51
